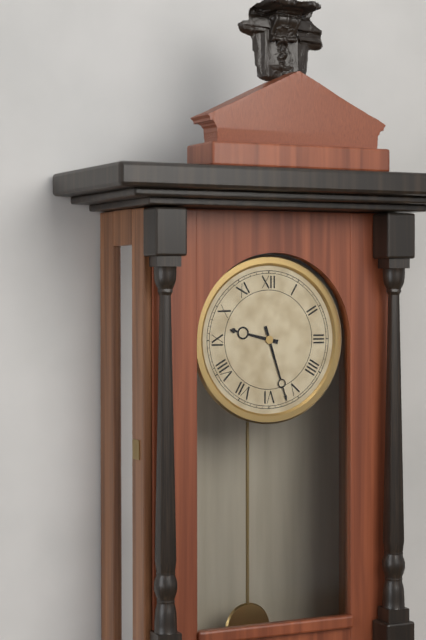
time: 9:27
